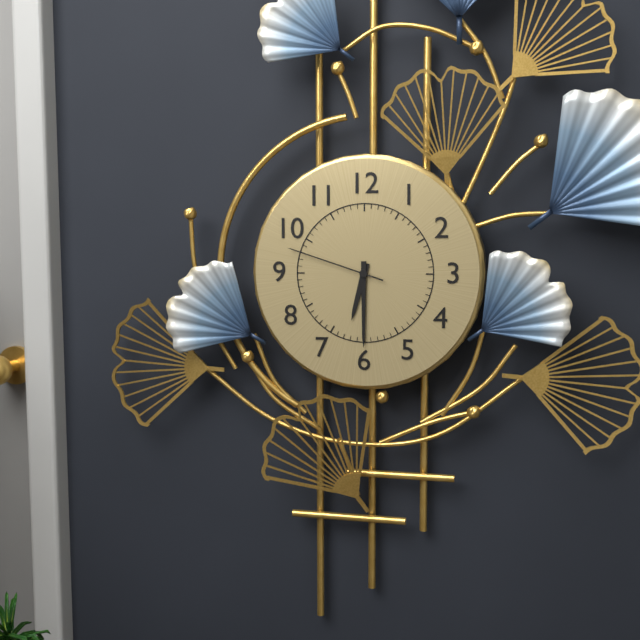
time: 6:30:48
